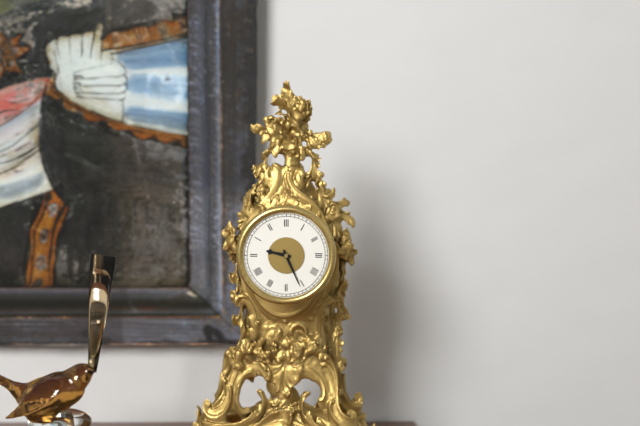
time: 9:26
